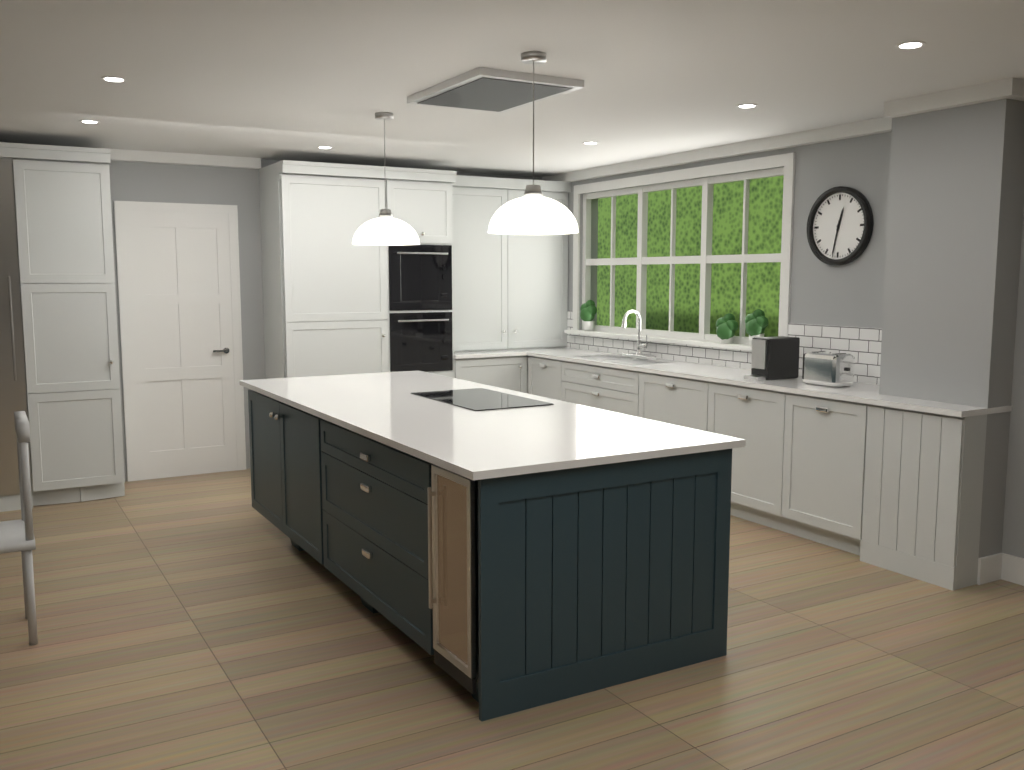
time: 12:32
